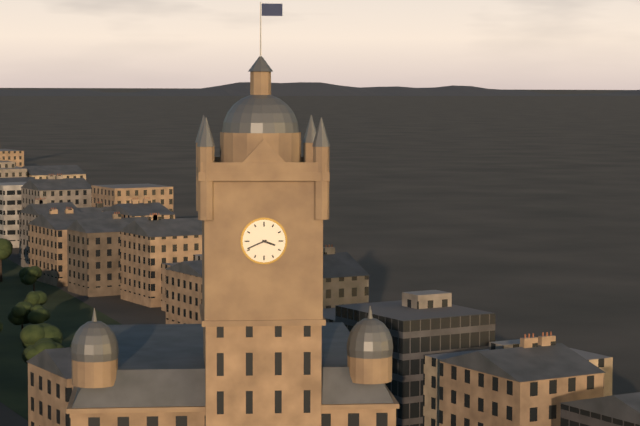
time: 3:41
